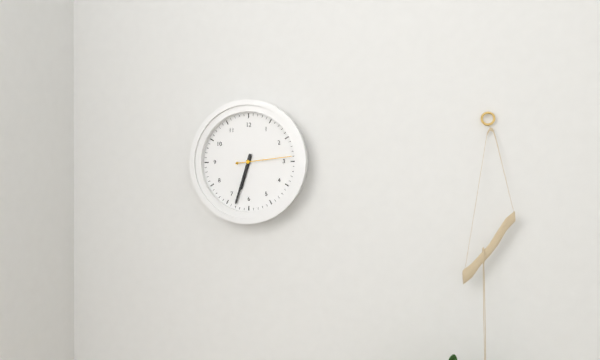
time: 6:33:14
